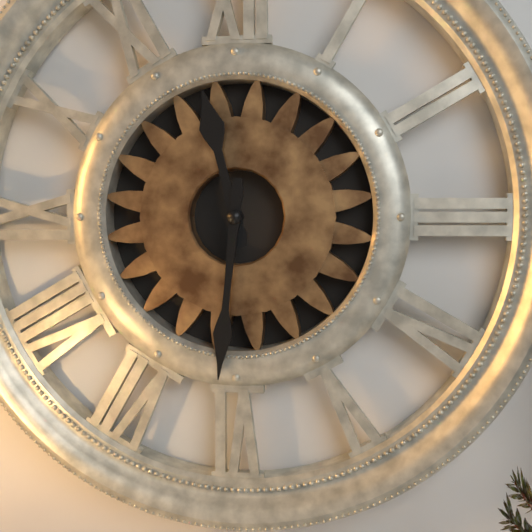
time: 11:31
